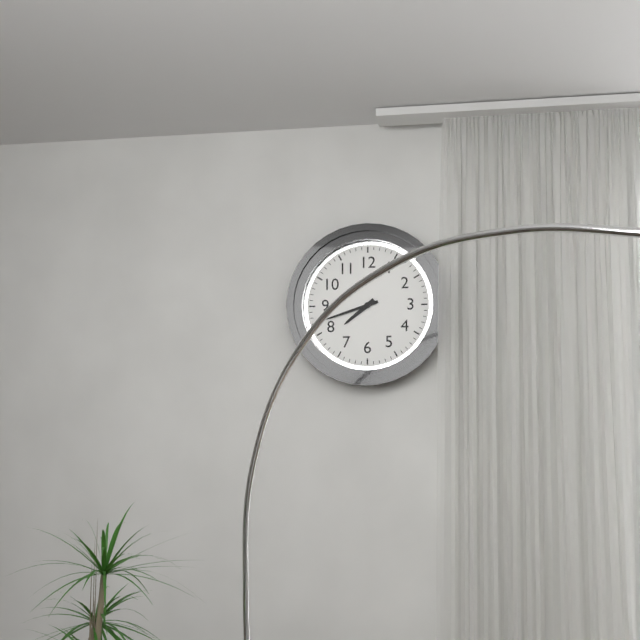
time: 7:42
